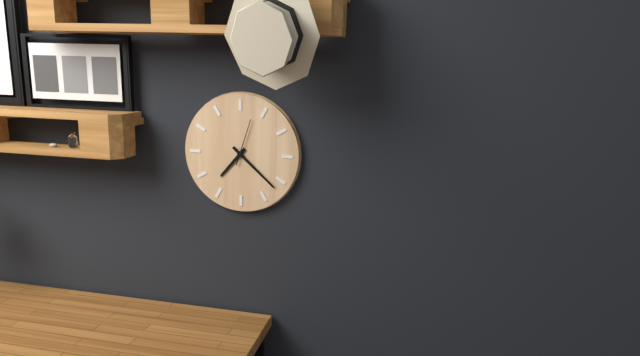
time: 7:22
